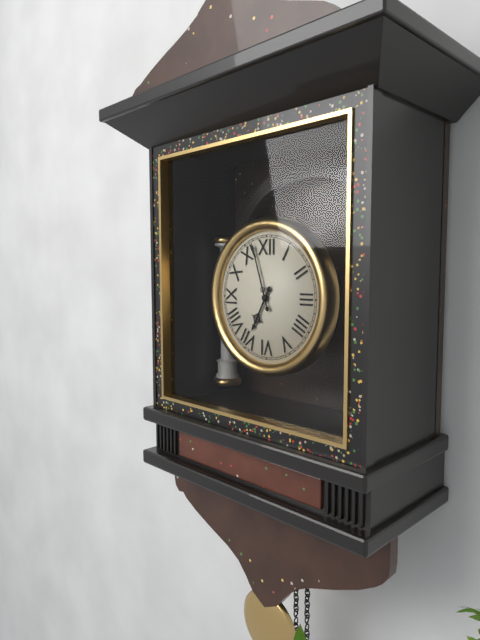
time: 6:57
